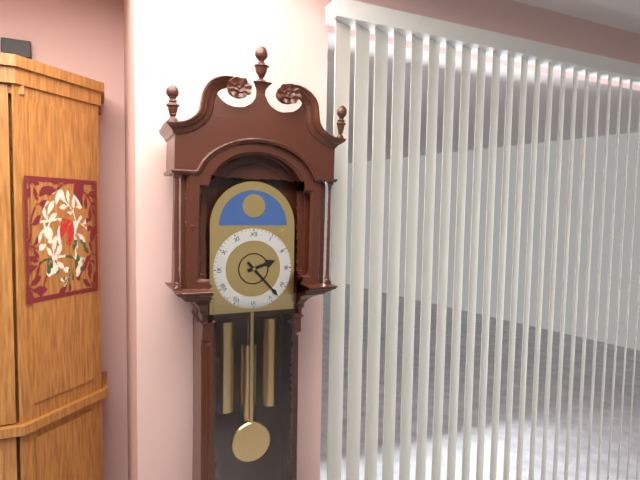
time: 2:23
